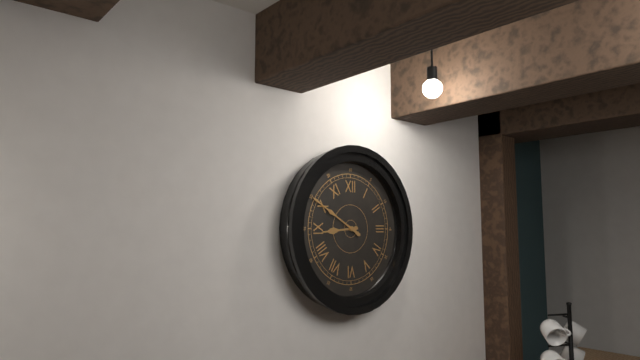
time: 8:50
